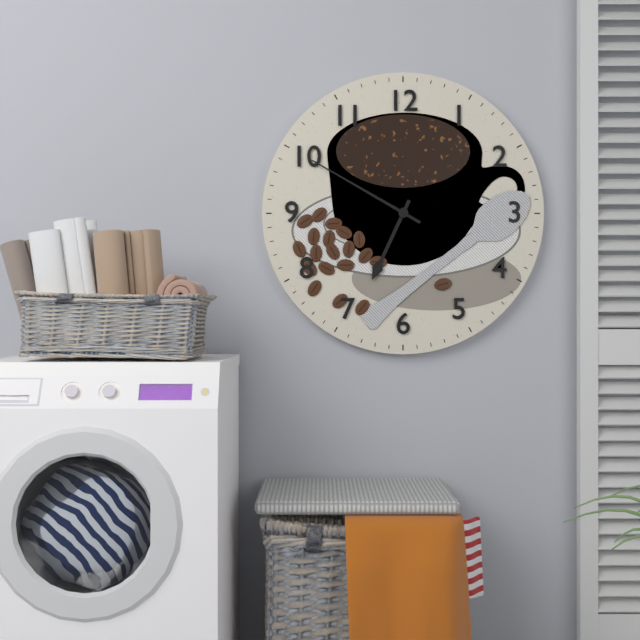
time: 6:50
